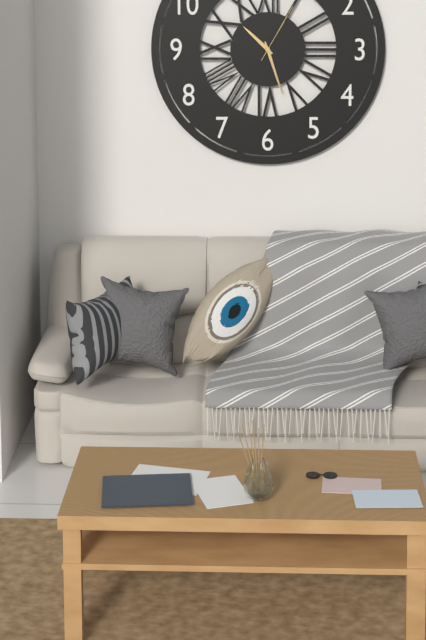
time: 10:27:05
